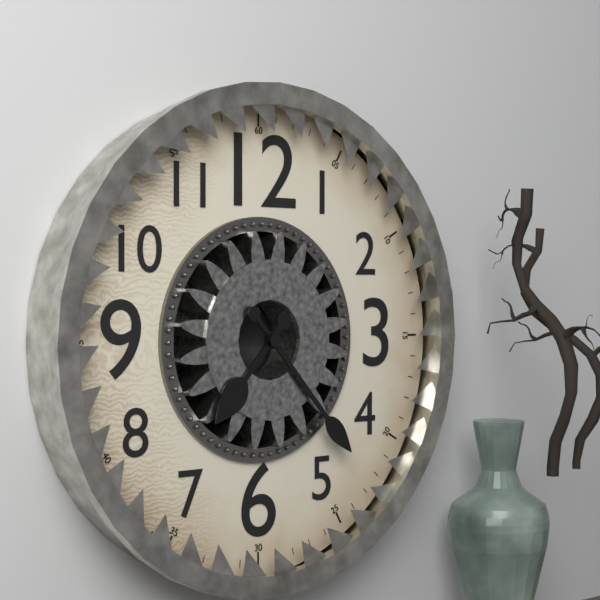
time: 7:23
